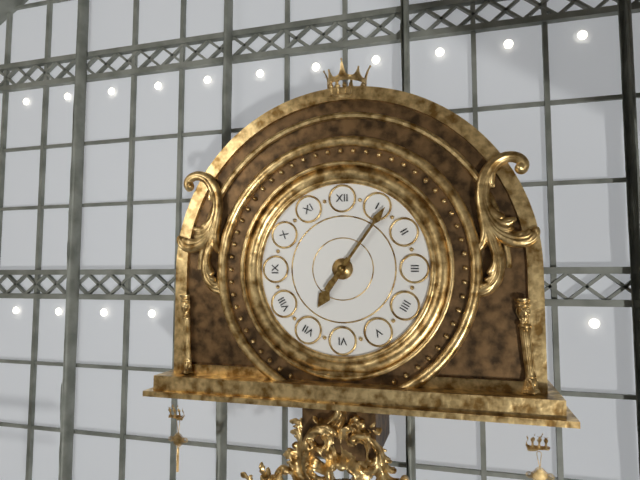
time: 7:06
